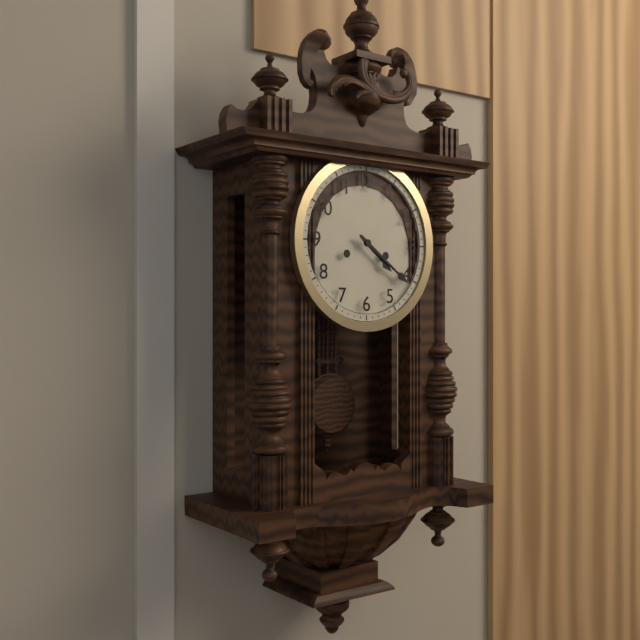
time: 4:21
